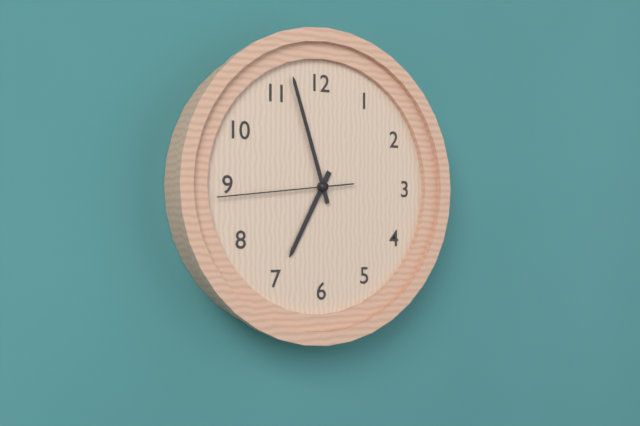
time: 6:57:44
